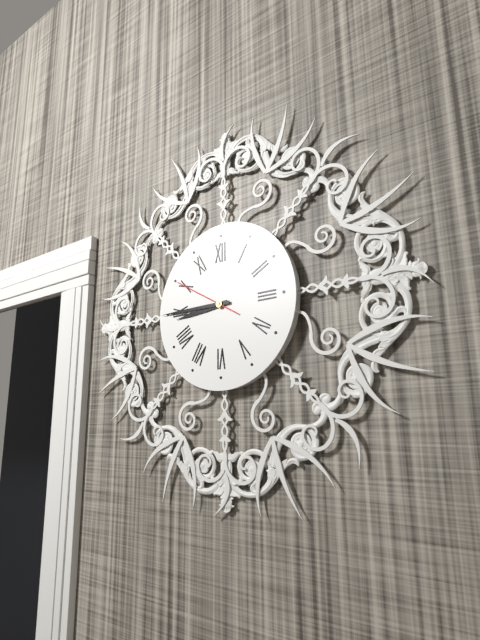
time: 8:45:50
